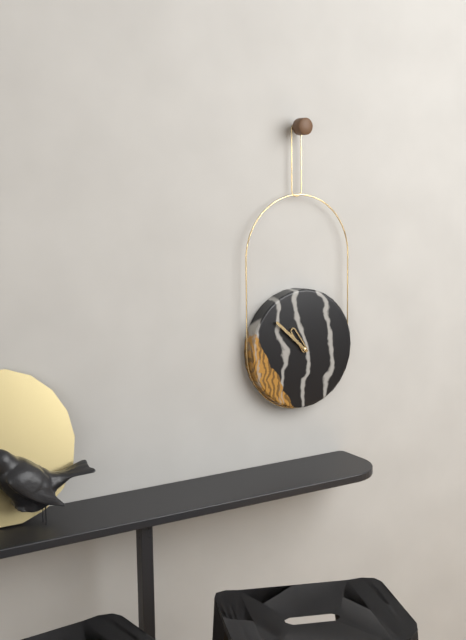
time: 10:52
